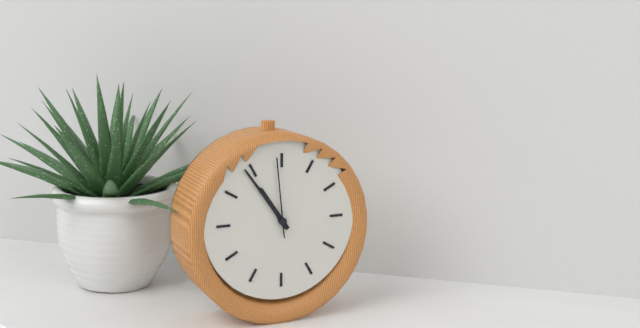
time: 10:54:59
